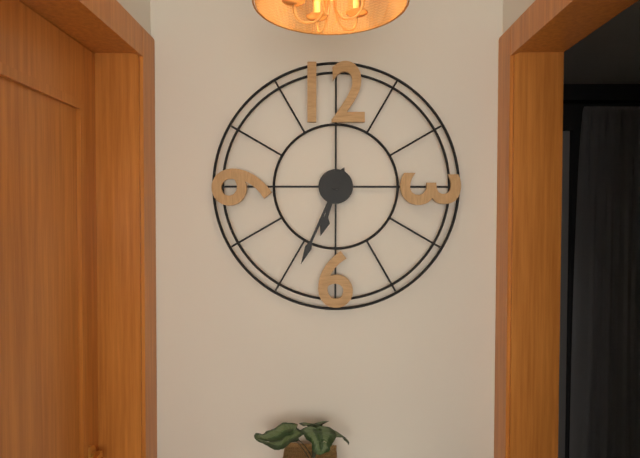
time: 6:34
